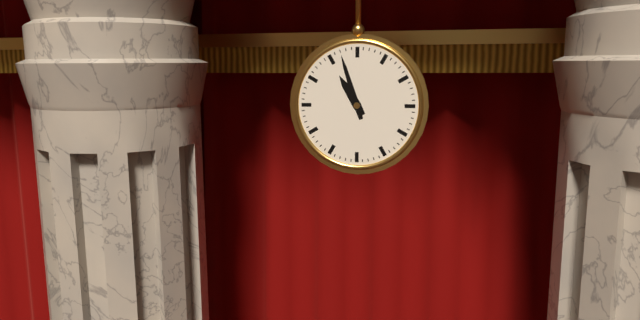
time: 10:57
